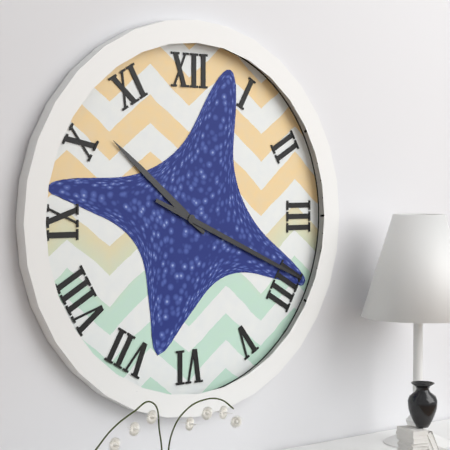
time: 10:19
